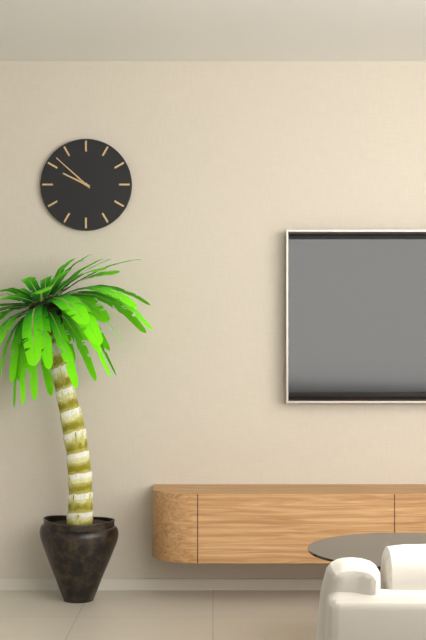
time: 9:52
